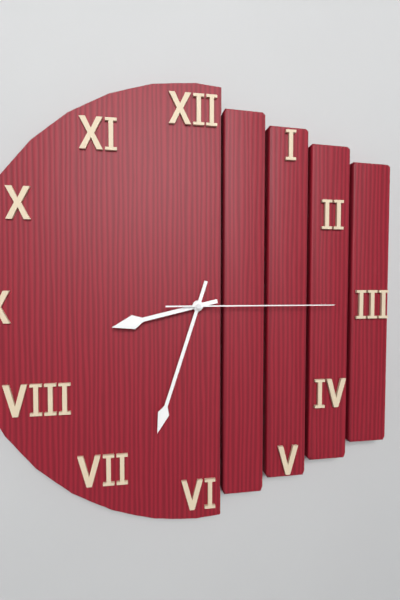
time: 8:33:15
